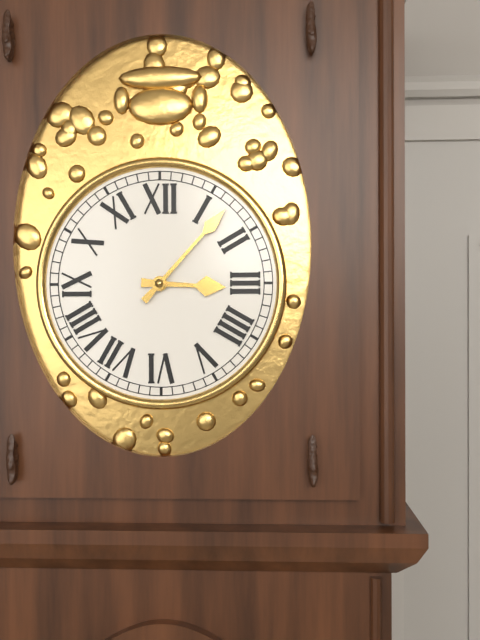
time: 3:07
